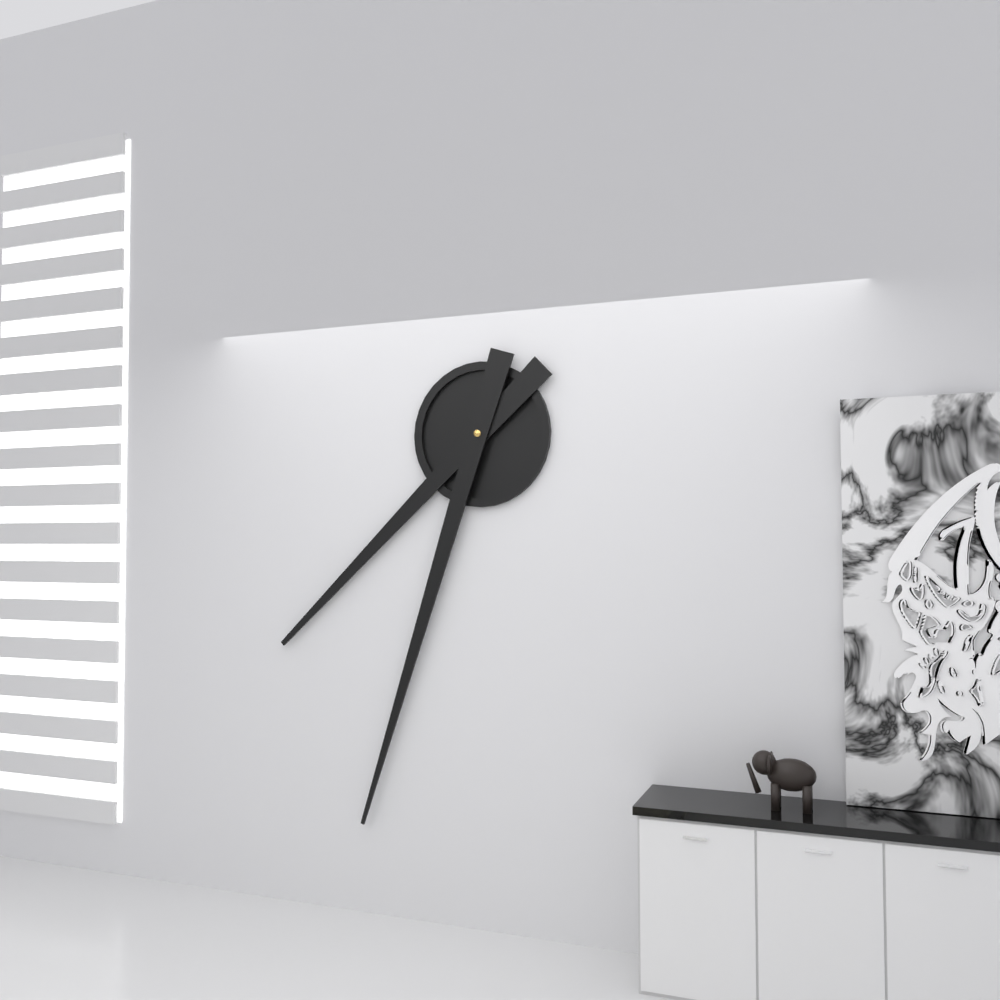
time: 7:33
